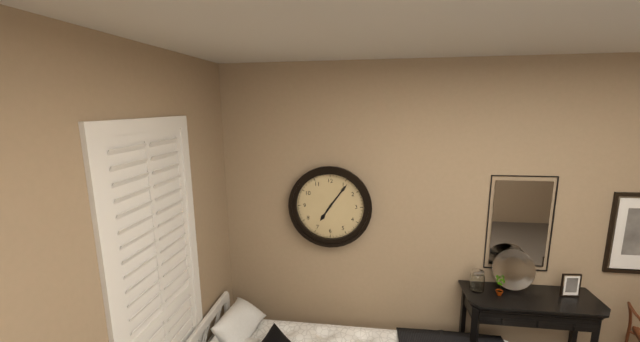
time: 7:06
